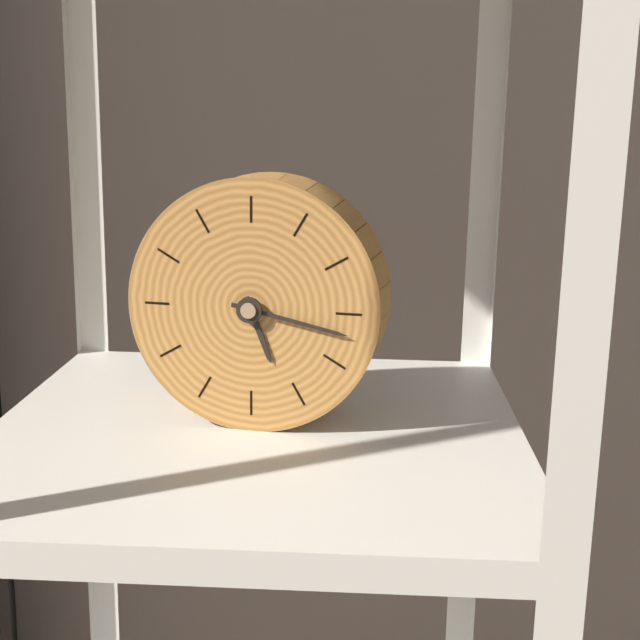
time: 5:17
